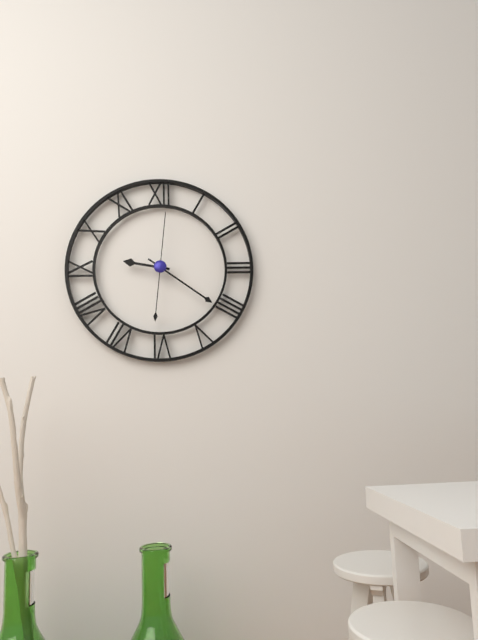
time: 9:21:01
